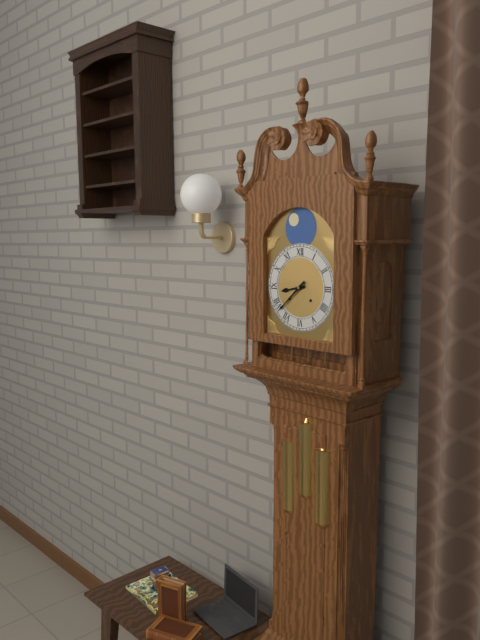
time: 8:38
